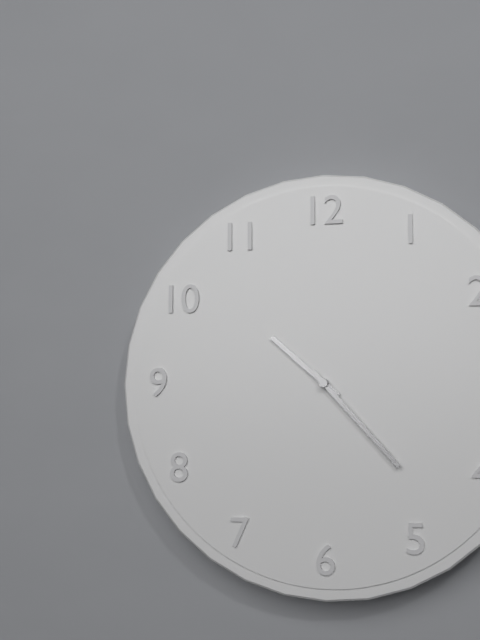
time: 10:23
